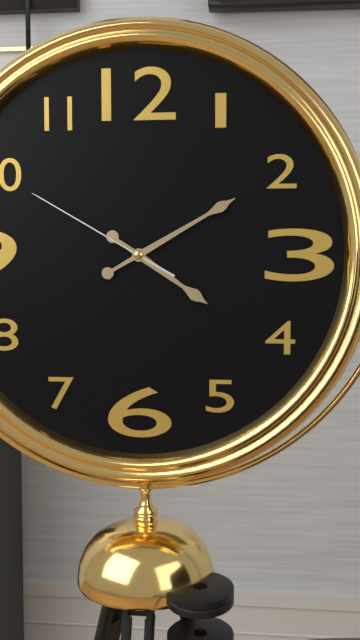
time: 4:10:50
